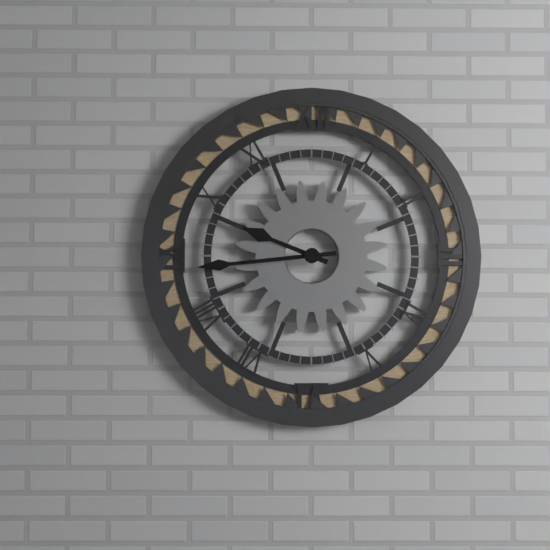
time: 9:44
